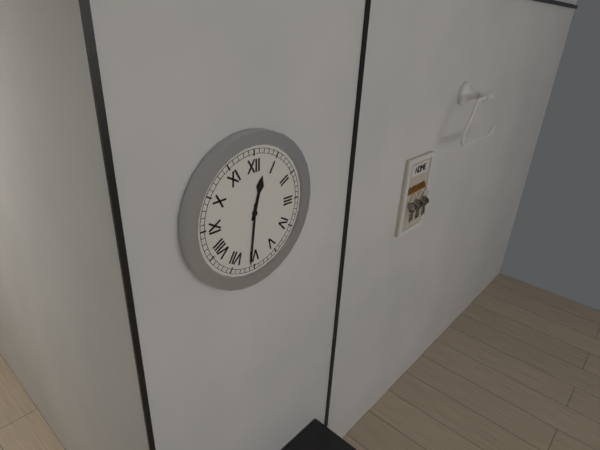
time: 12:31
